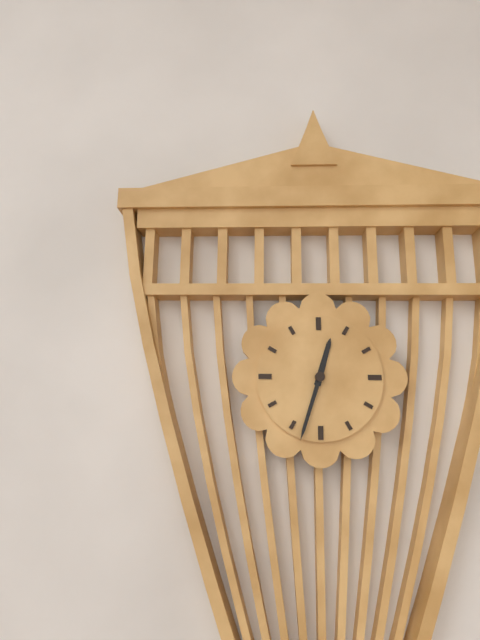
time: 12:33
